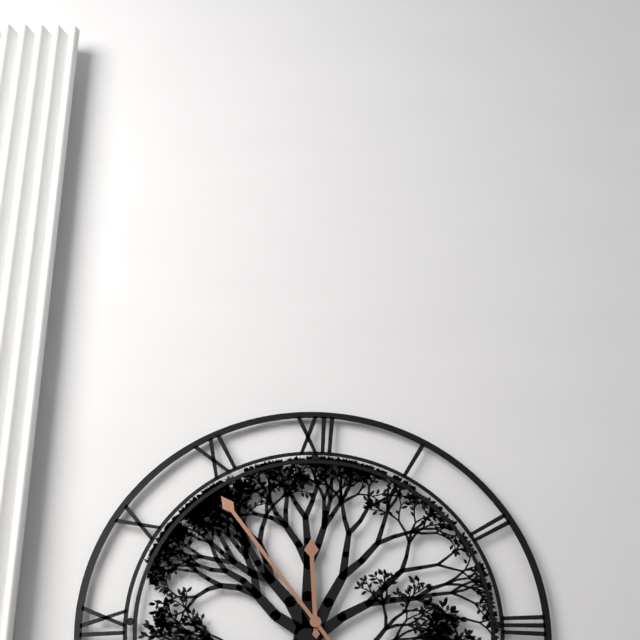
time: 11:54
